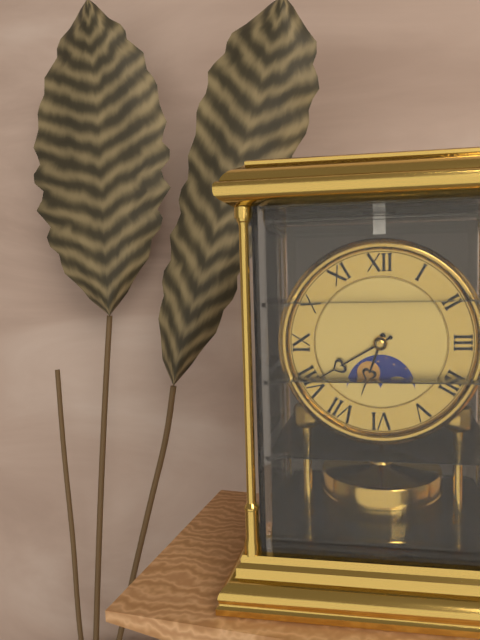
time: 6:40
